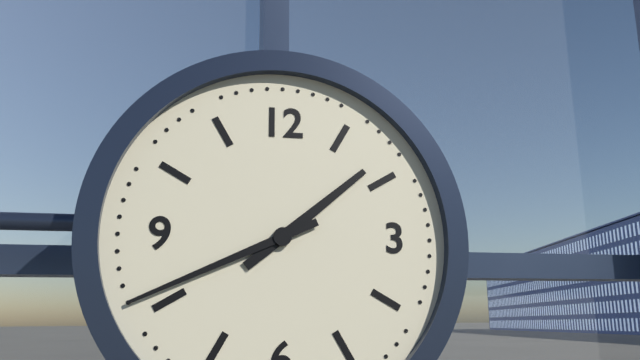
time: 1:41
